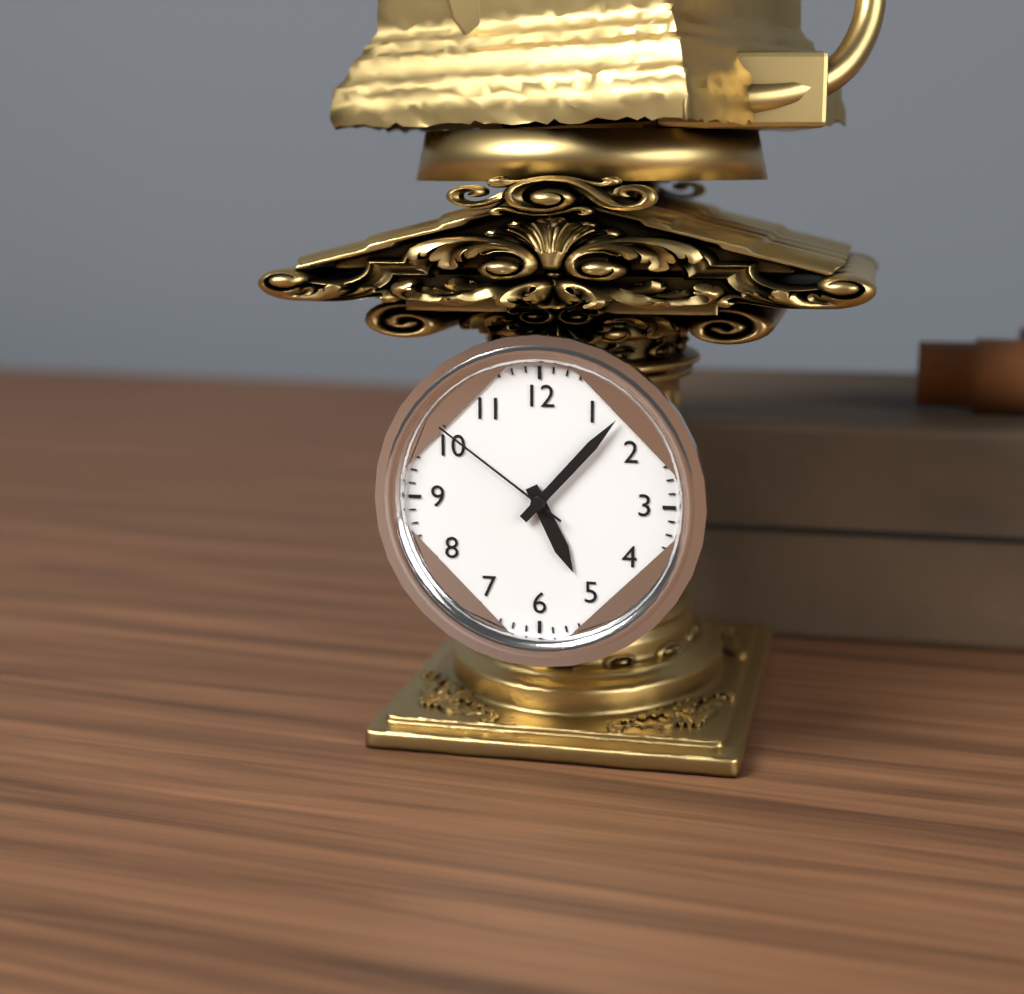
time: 5:07:51
